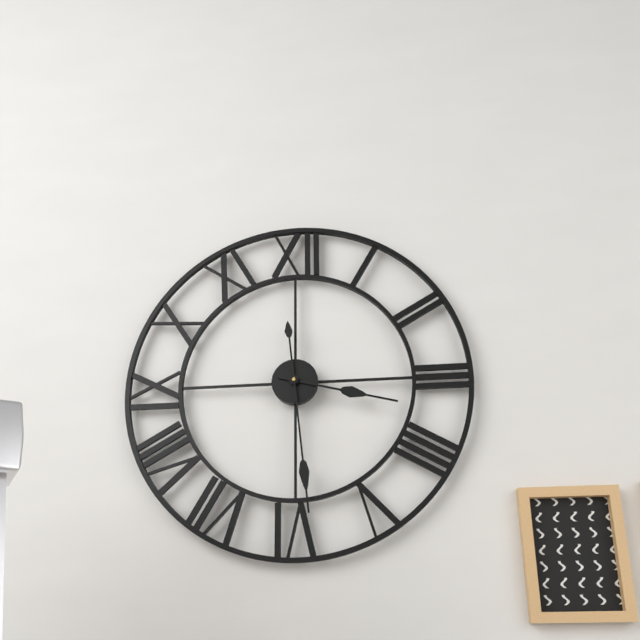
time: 3:29
